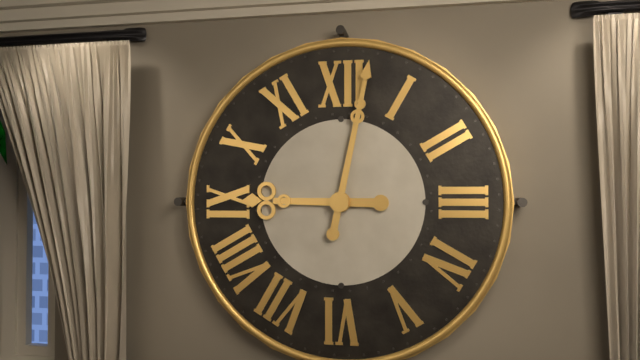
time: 9:02
